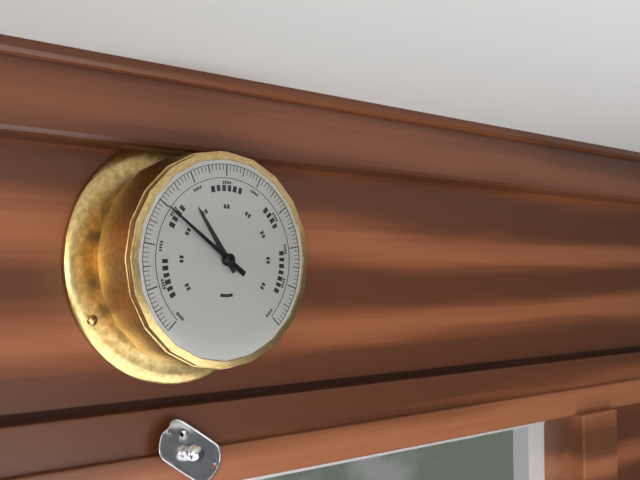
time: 10:51
